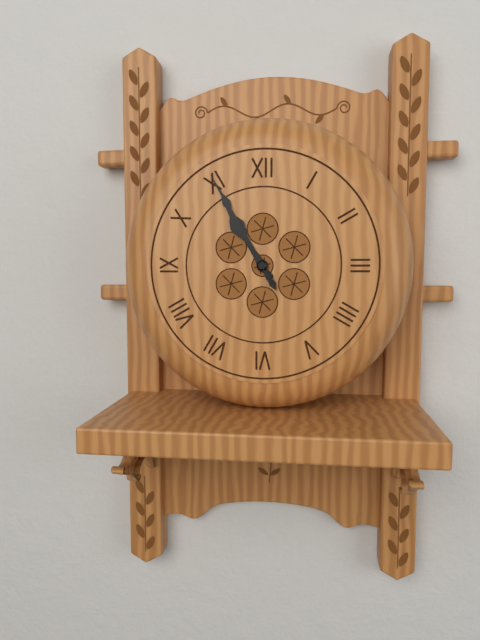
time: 10:55
